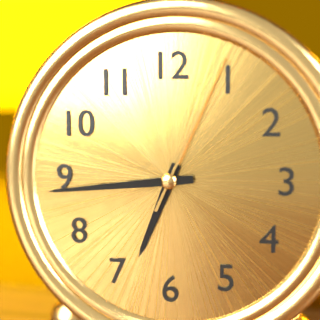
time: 6:44:04
